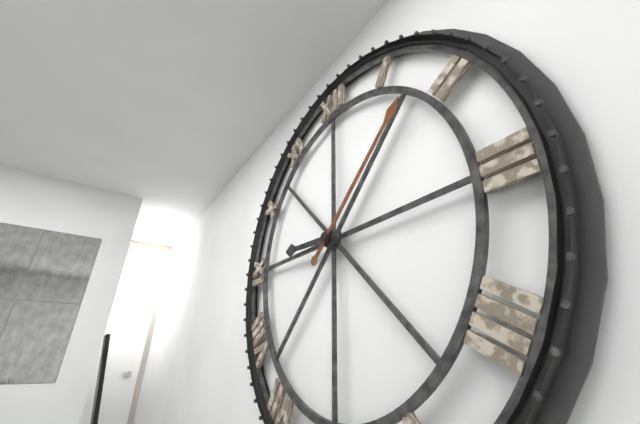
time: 9:08
